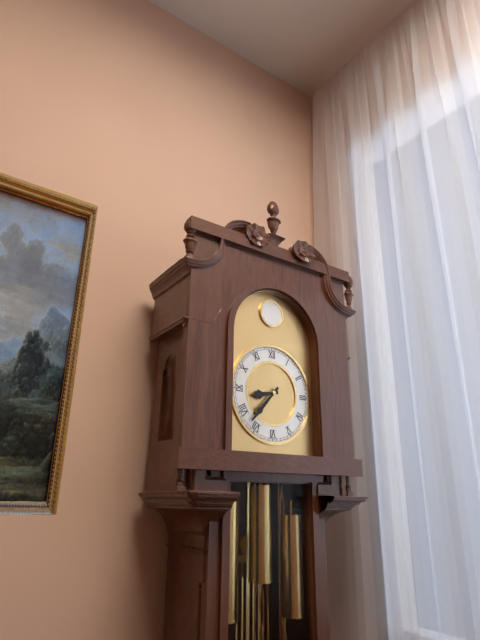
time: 8:37
